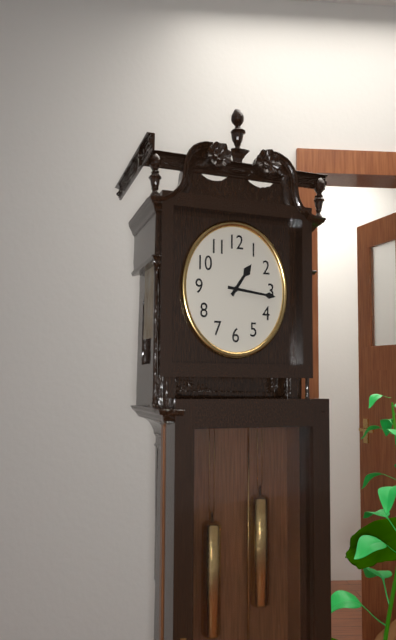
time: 1:16
